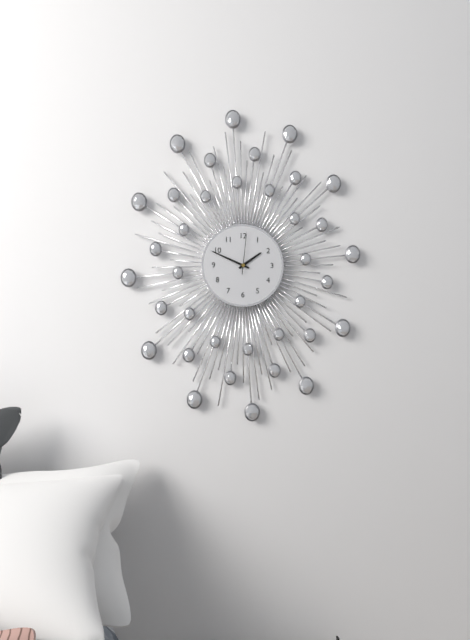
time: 1:49
